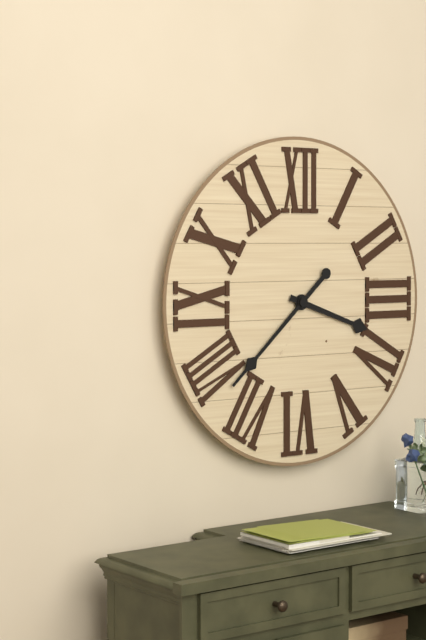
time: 3:38
